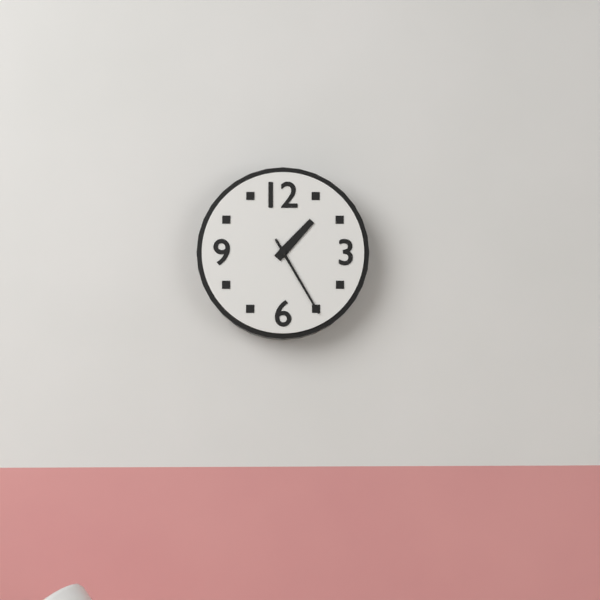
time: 1:25
